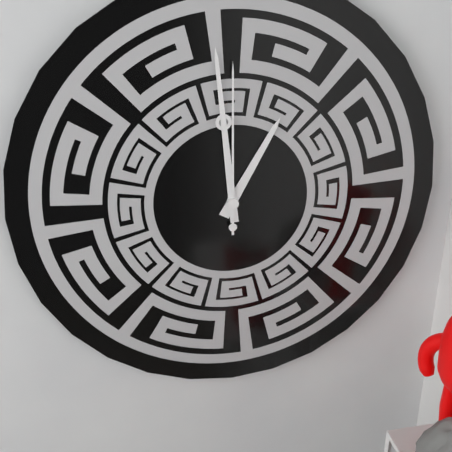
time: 12:59:00
